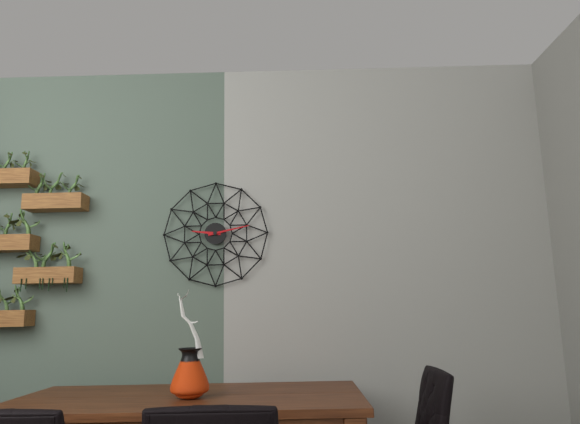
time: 9:13
